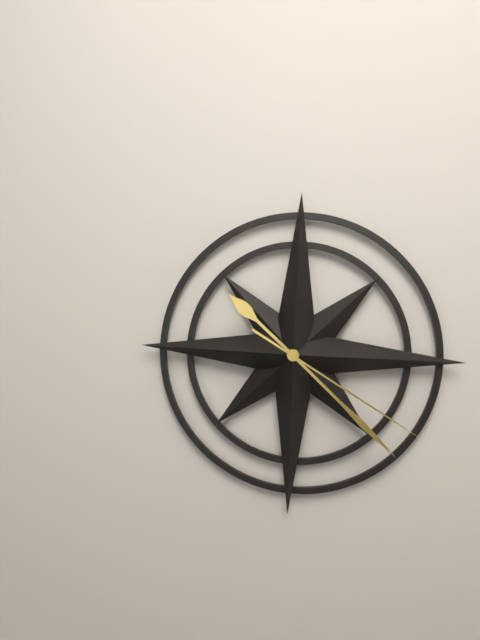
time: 10:22:20
